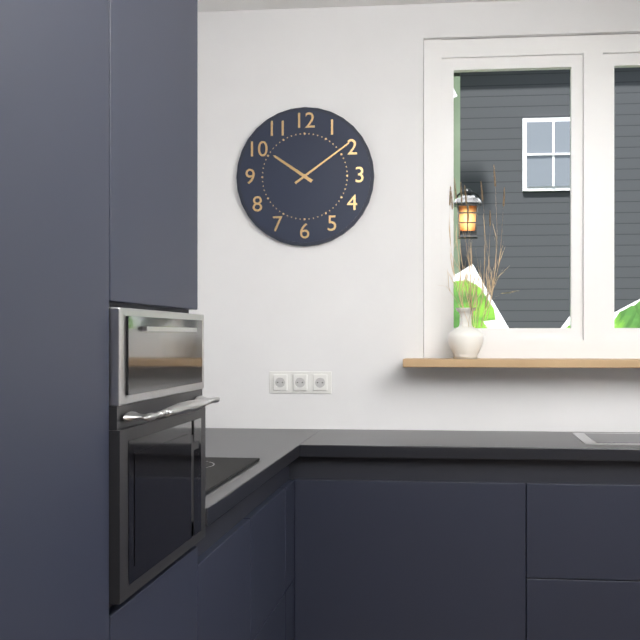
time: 10:09
